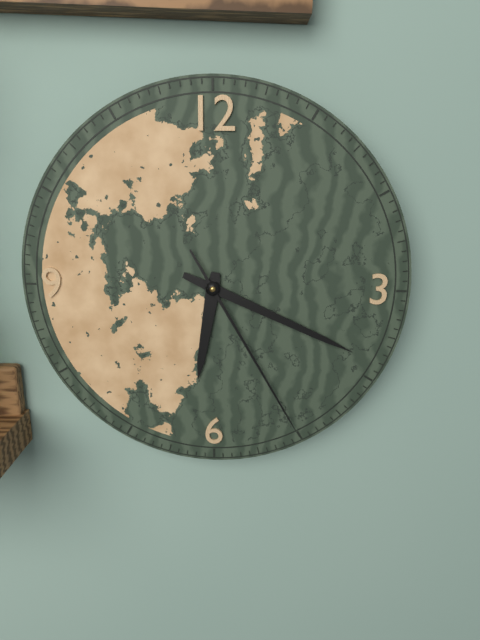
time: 6:19:25
